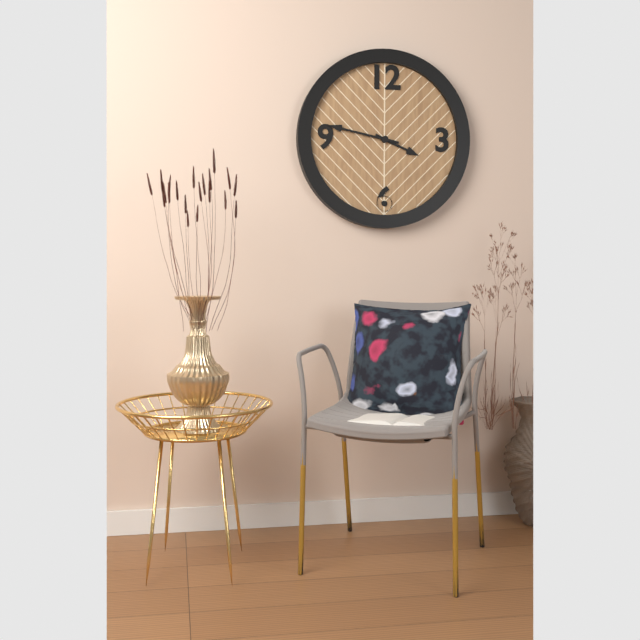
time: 3:47
